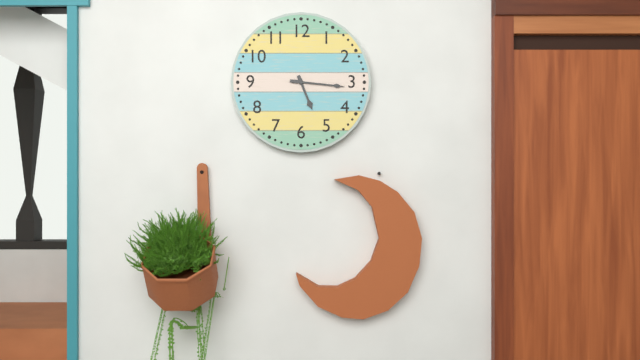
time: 5:16
